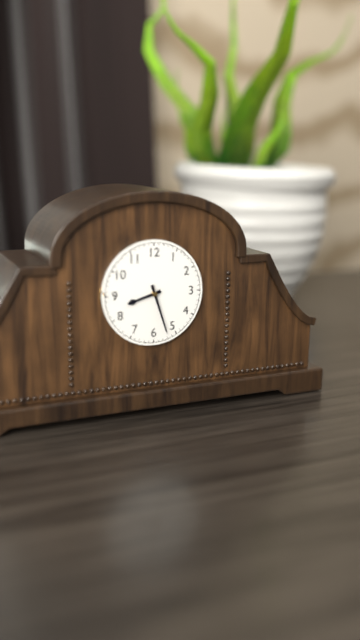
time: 8:27
